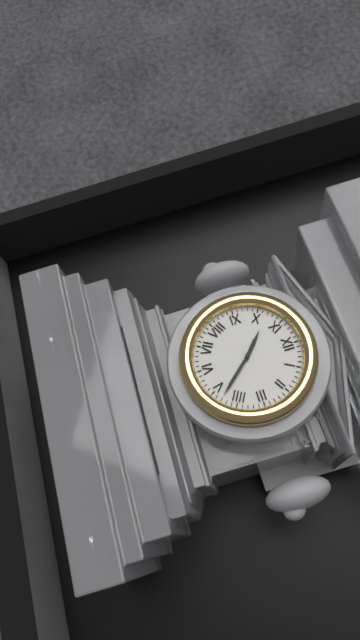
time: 10:23
